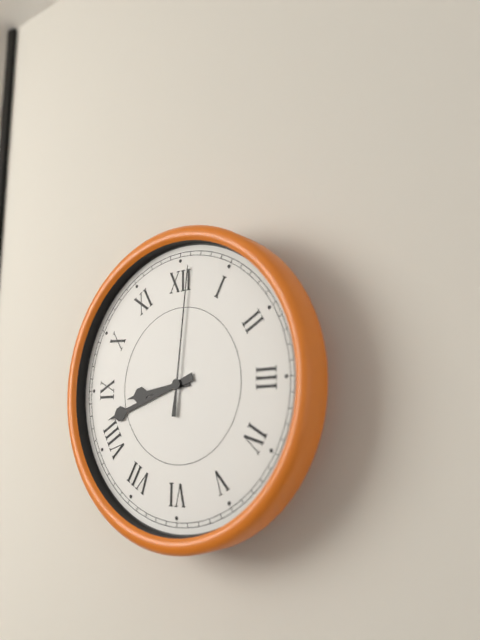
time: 8:42:01
